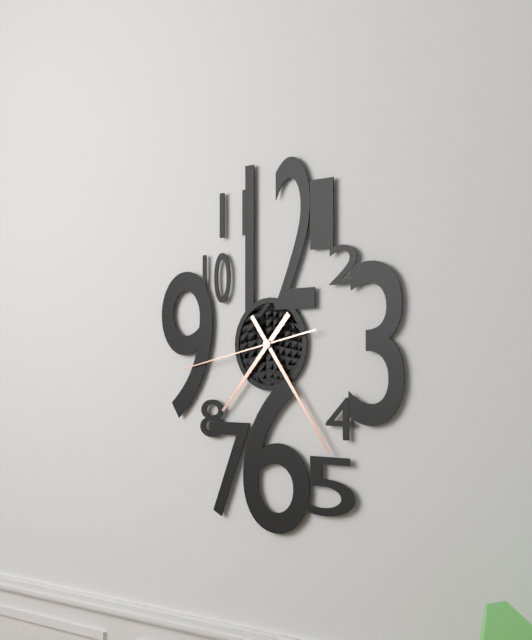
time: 7:24:43
